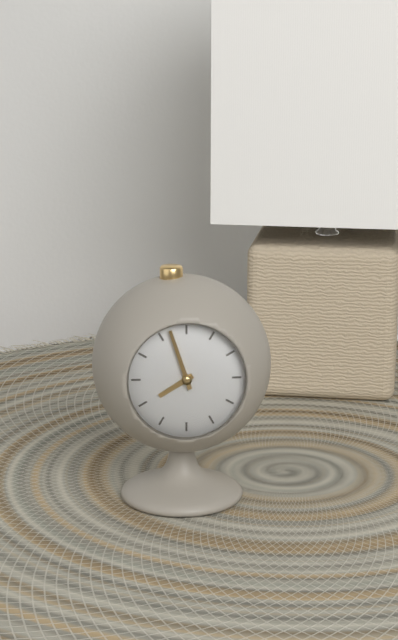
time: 7:57
